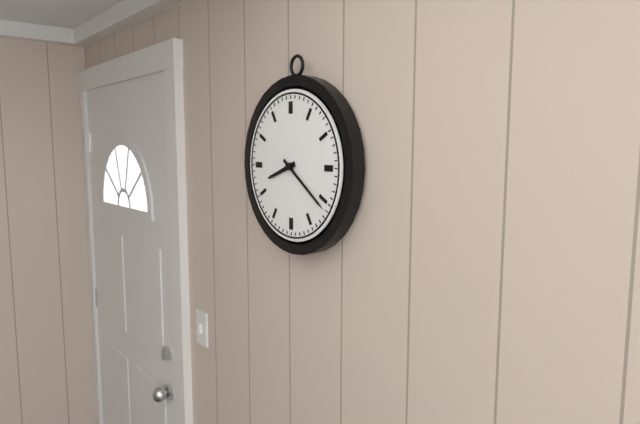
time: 8:21
